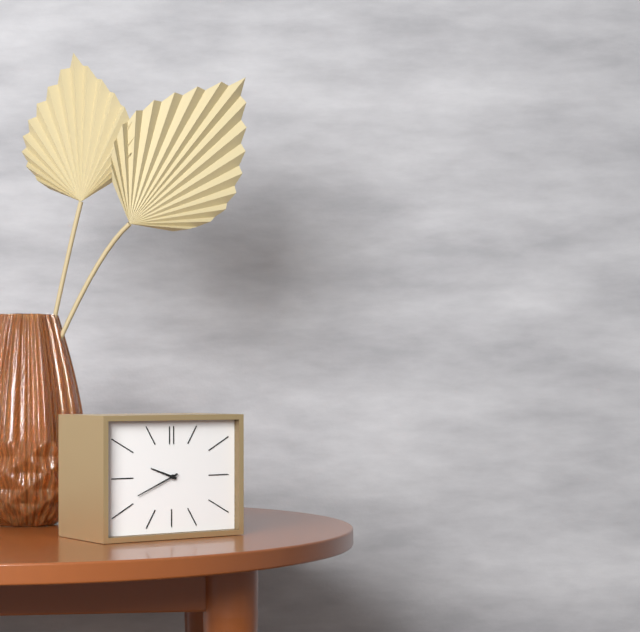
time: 9:41
